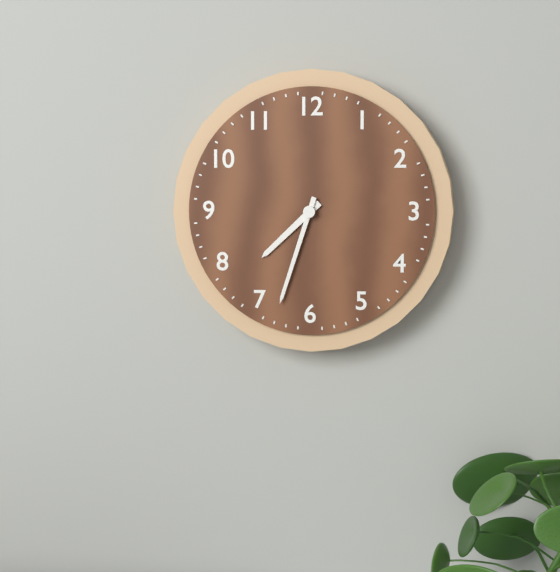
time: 7:33
